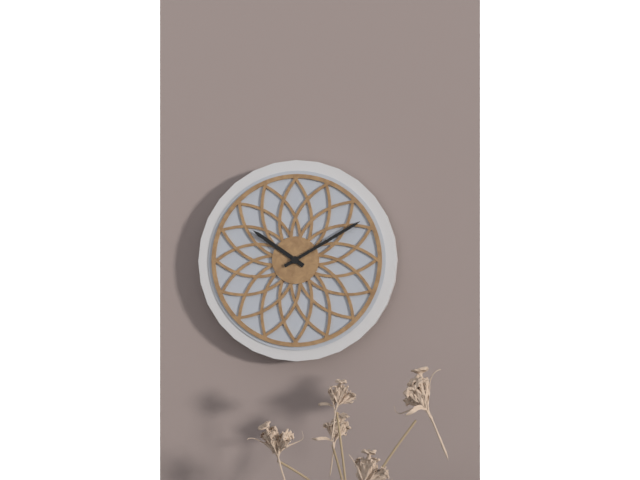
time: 10:10
